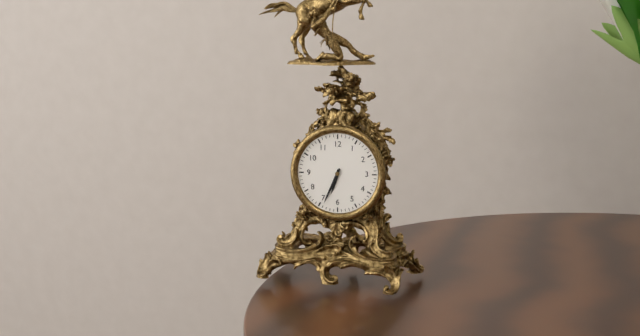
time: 6:34
